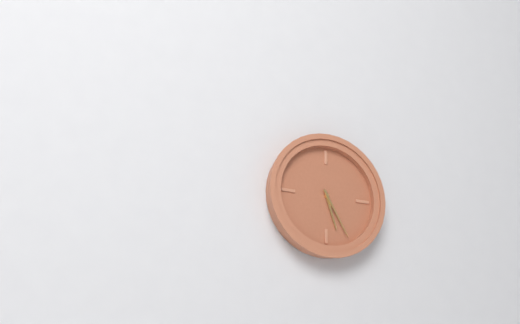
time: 5:25
